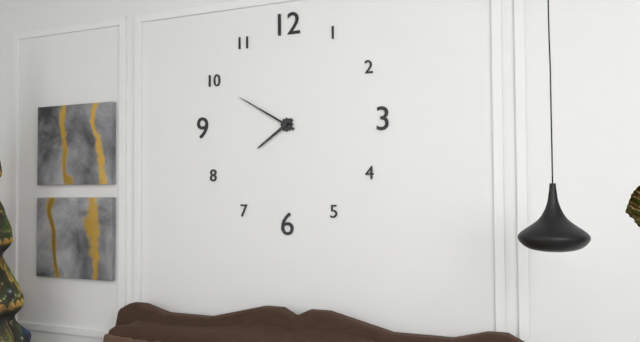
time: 7:50
